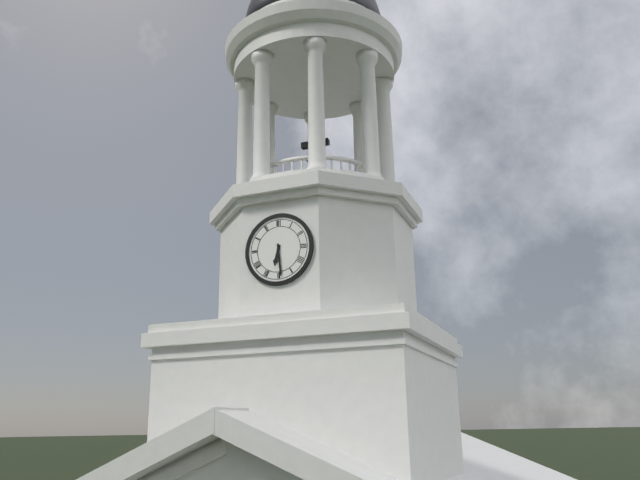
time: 6:29
